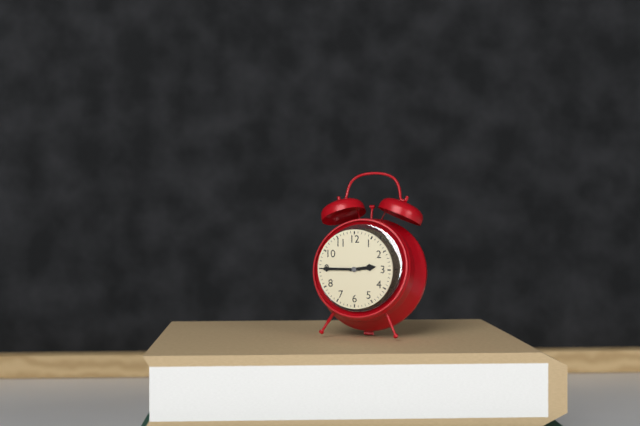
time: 2:45
